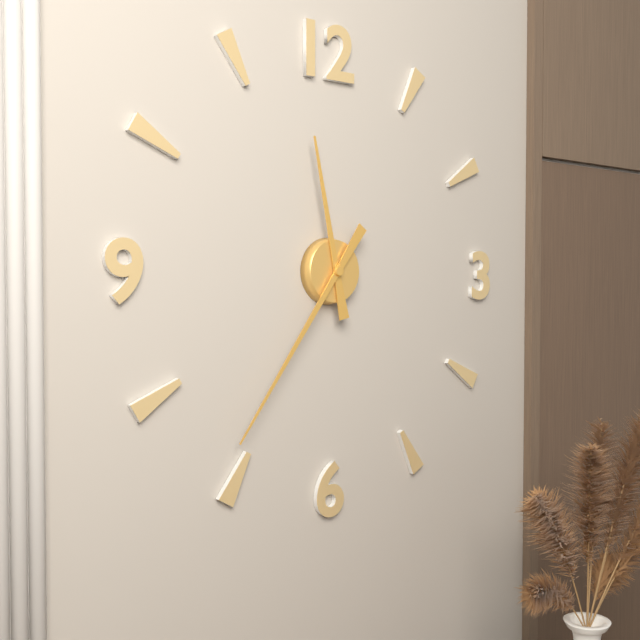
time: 11:36
